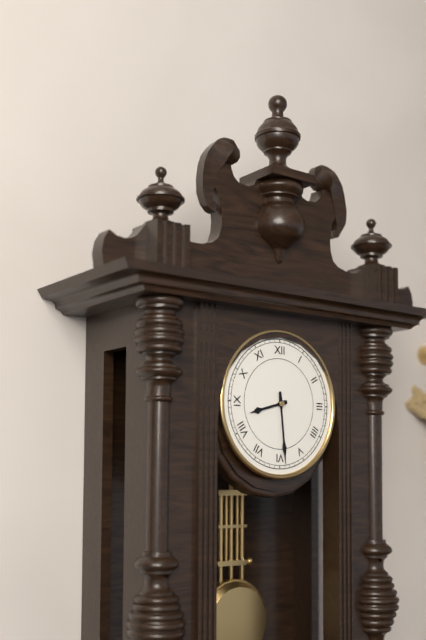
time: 8:29
